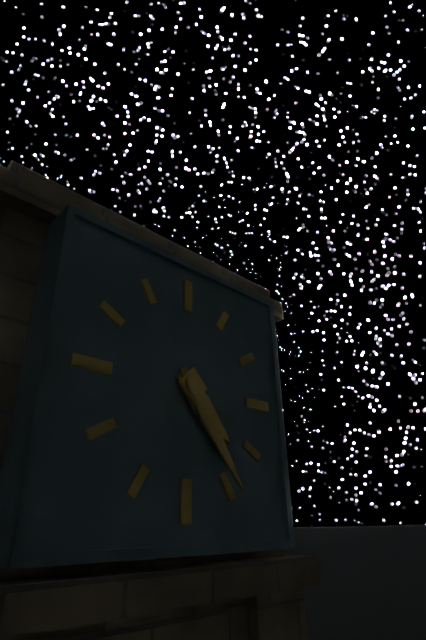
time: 4:24
